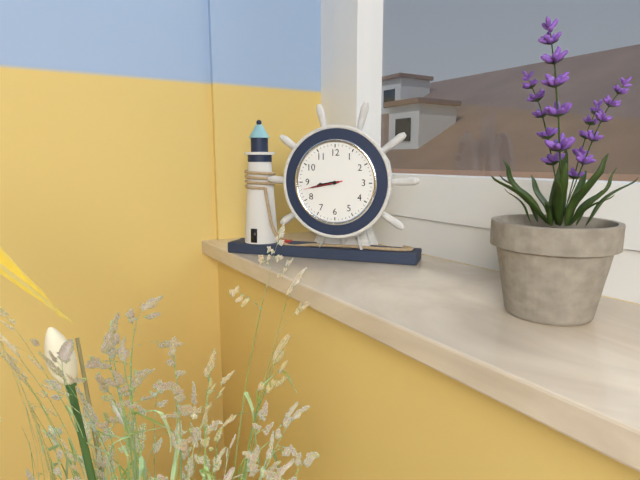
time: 8:43
